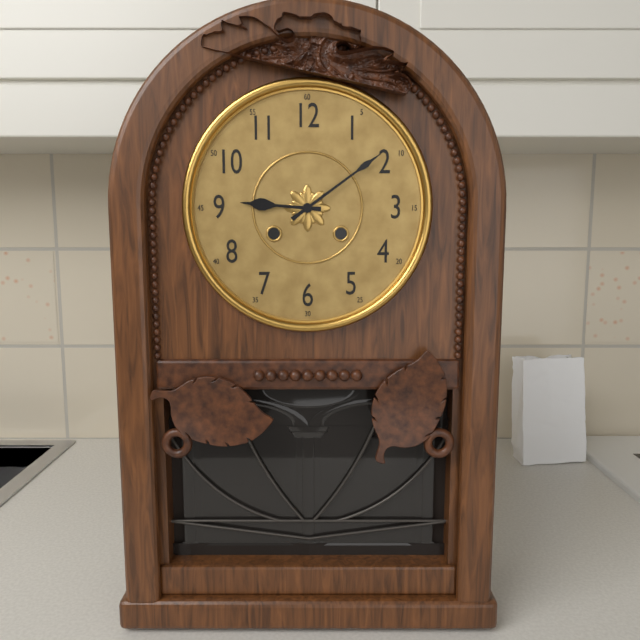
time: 9:09
